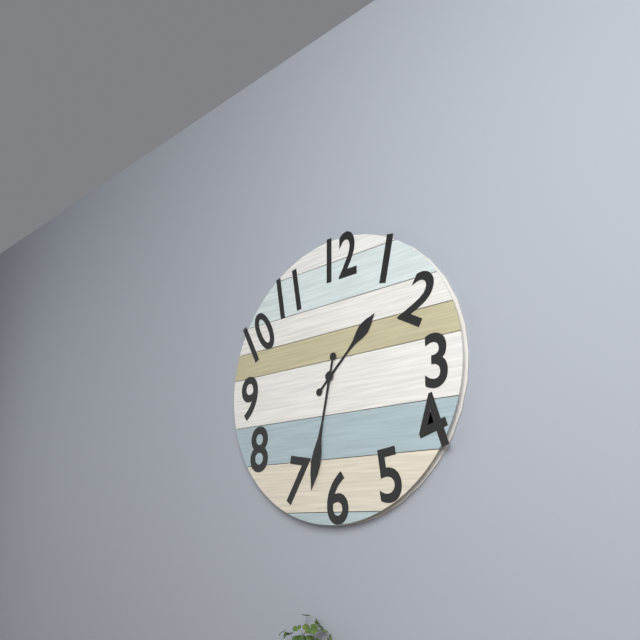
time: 1:32
